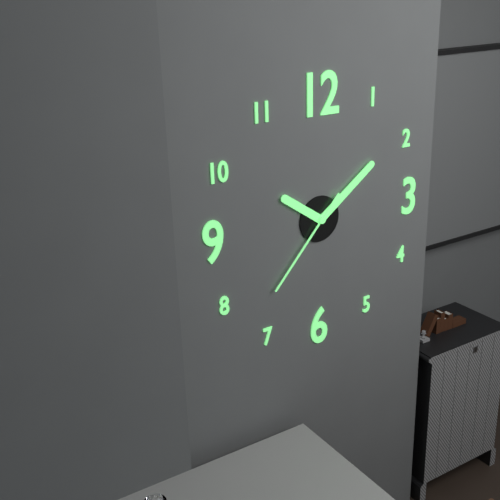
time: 10:09:37
